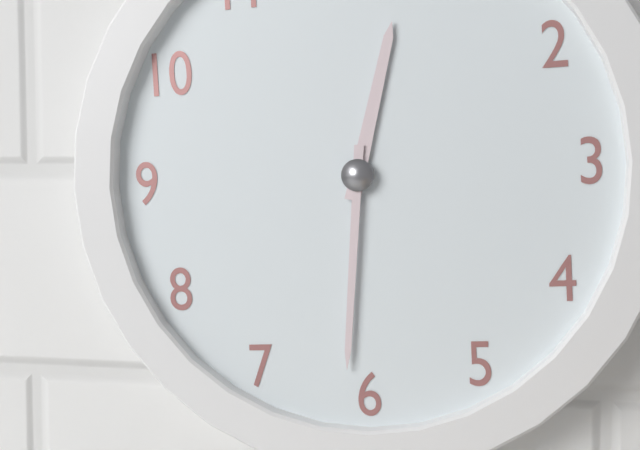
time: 12:31
